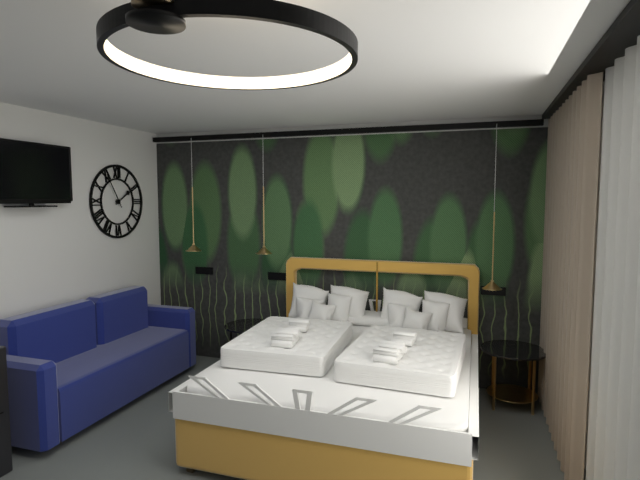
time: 1:55
